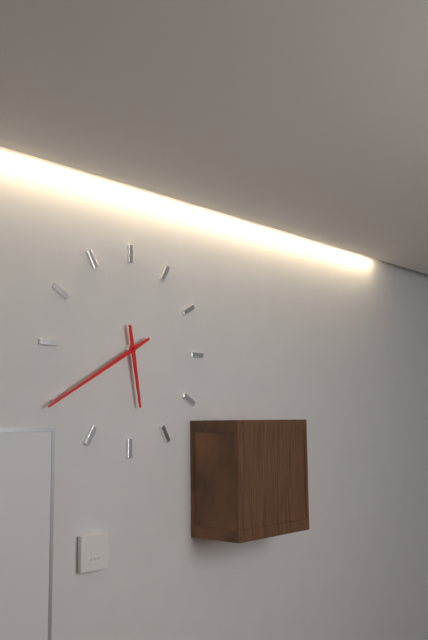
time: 5:40
